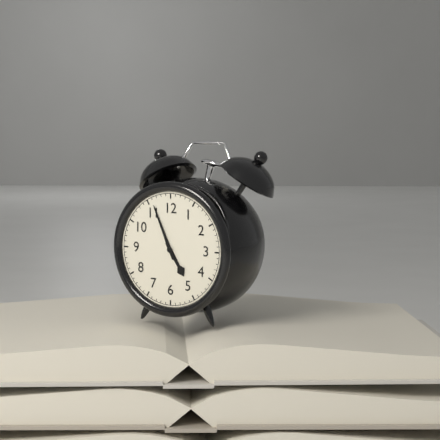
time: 4:56
